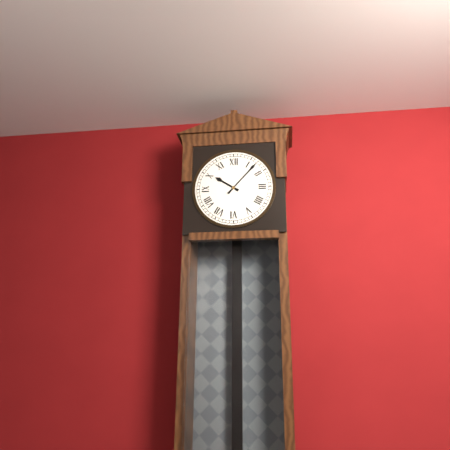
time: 10:07
